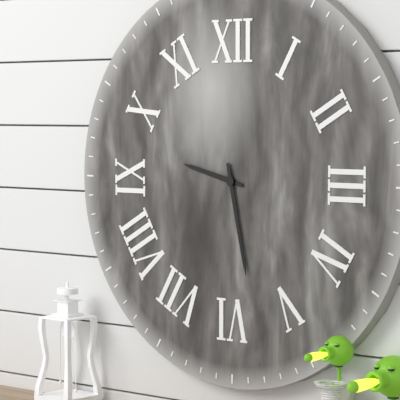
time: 9:28
